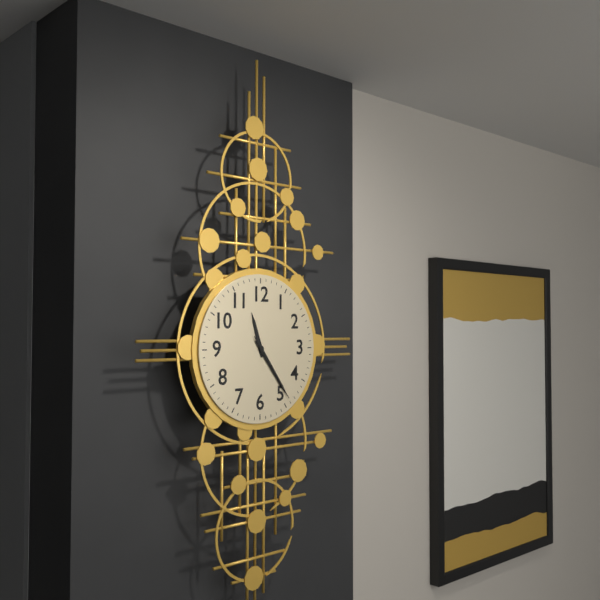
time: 11:24:24
